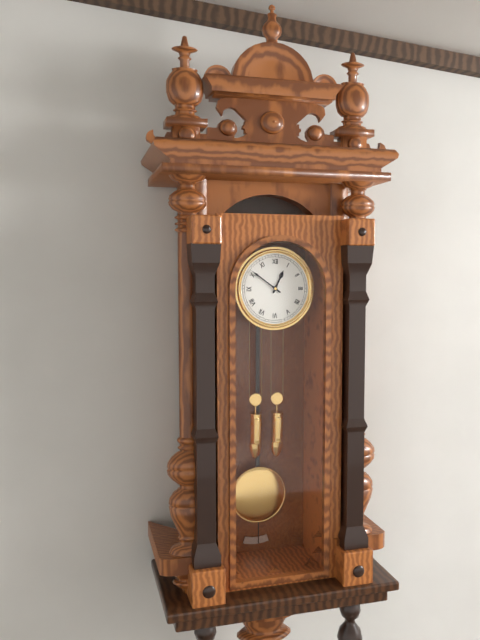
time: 12:51
